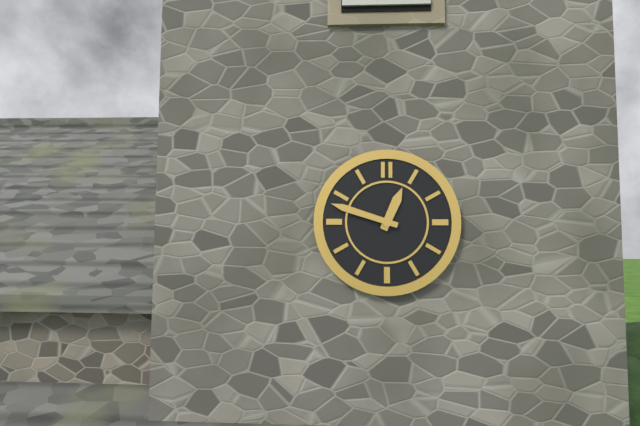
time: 12:48
